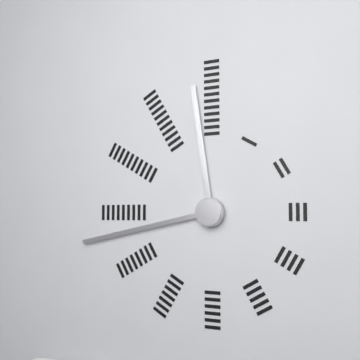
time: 11:43
